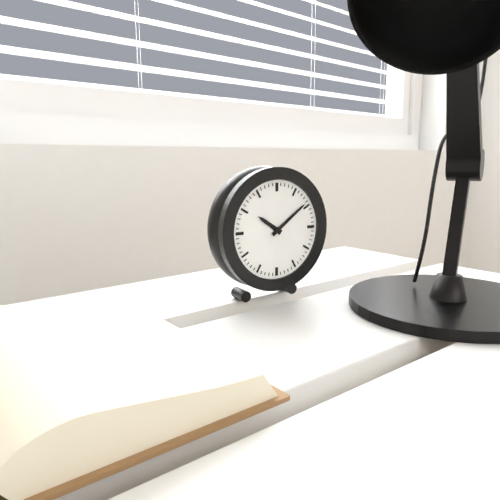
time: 10:09
